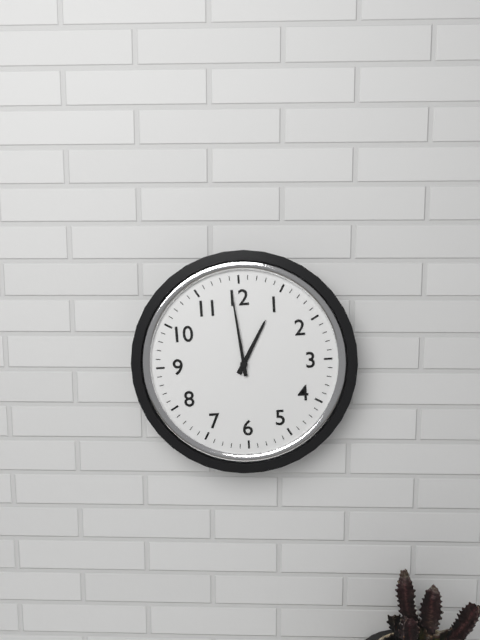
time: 12:59
